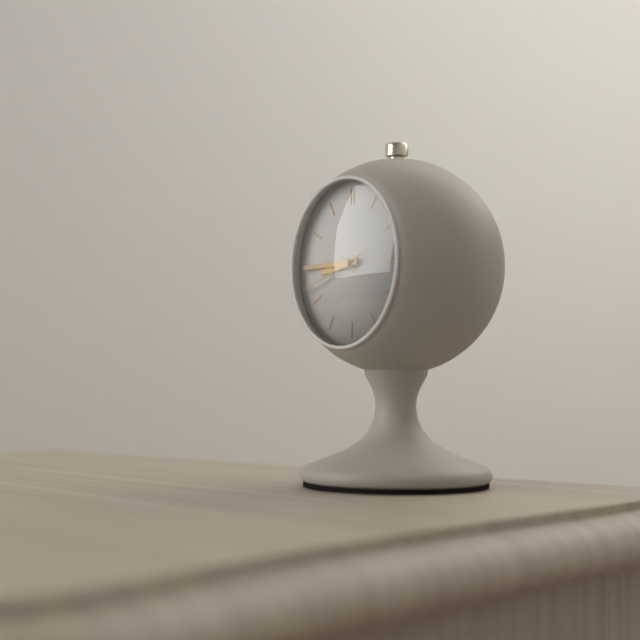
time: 8:45:42
